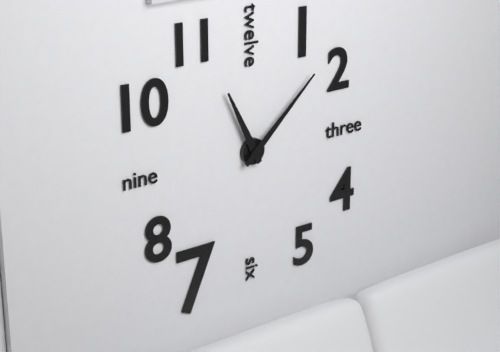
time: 11:08
